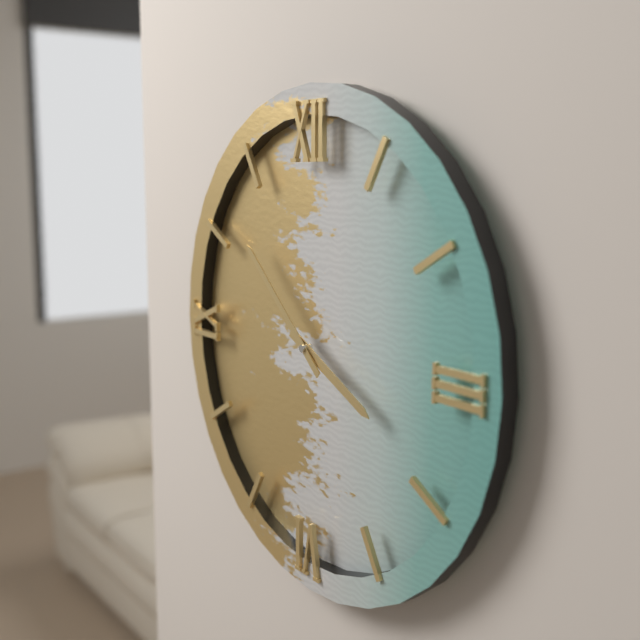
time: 3:52
